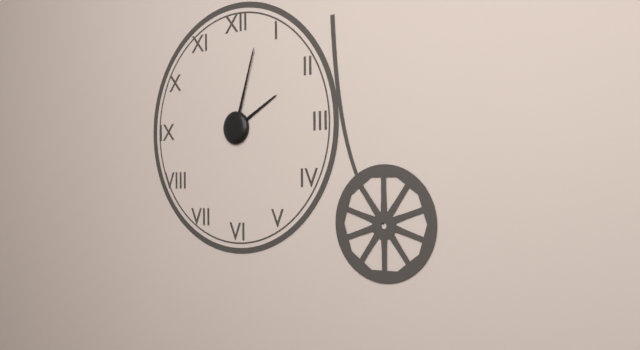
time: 2:03
